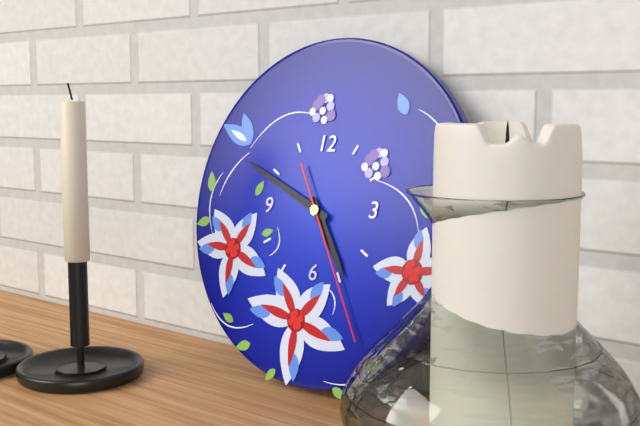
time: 4:49:25
